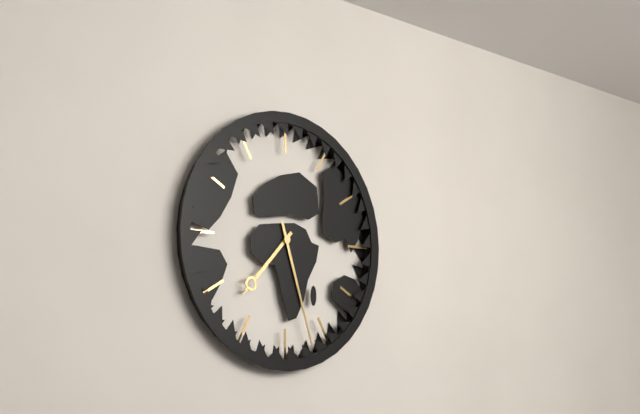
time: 7:27
